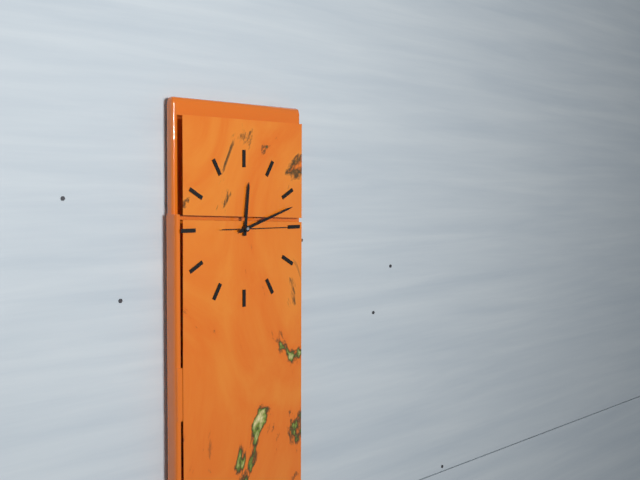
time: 12:12:15
